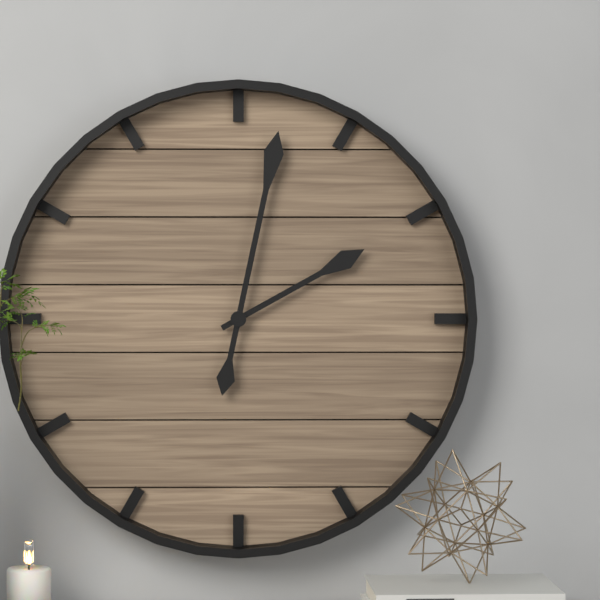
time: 2:02
